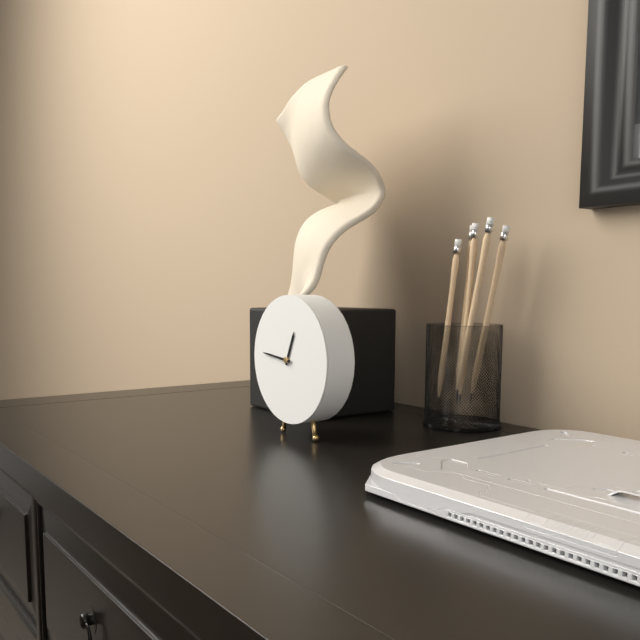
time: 12:46
